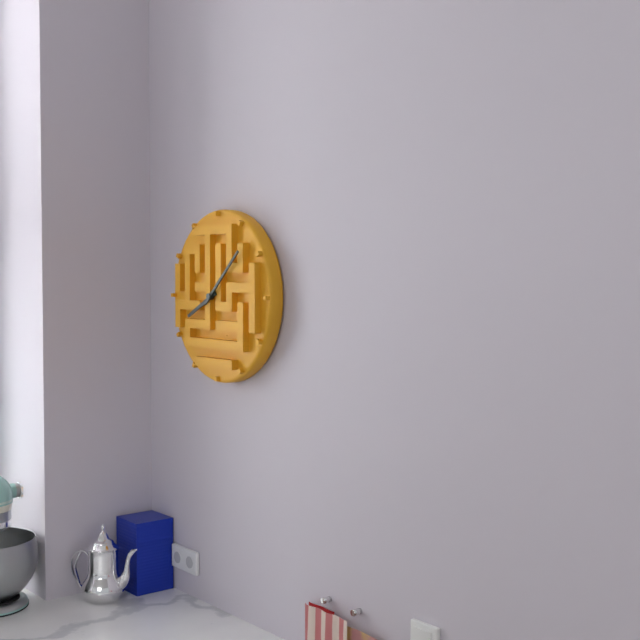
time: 8:08
